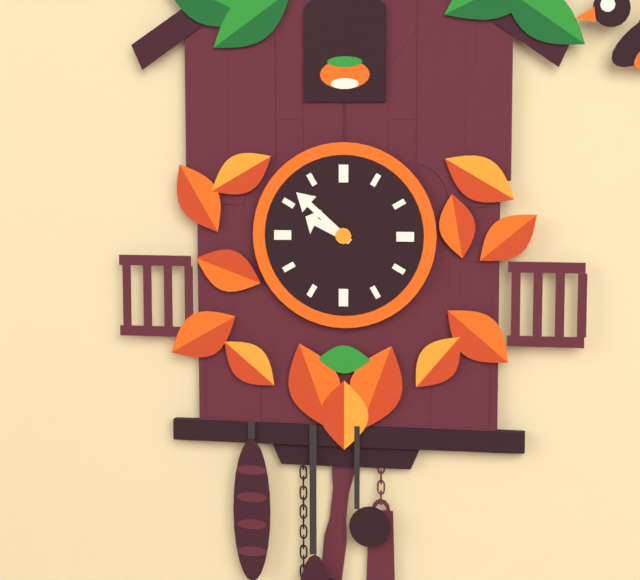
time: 9:52
